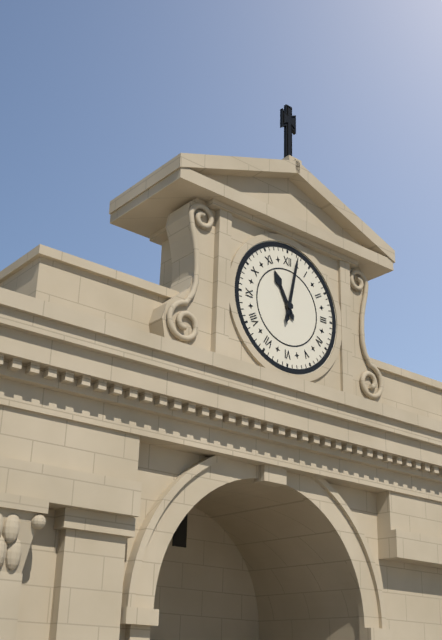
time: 11:02
